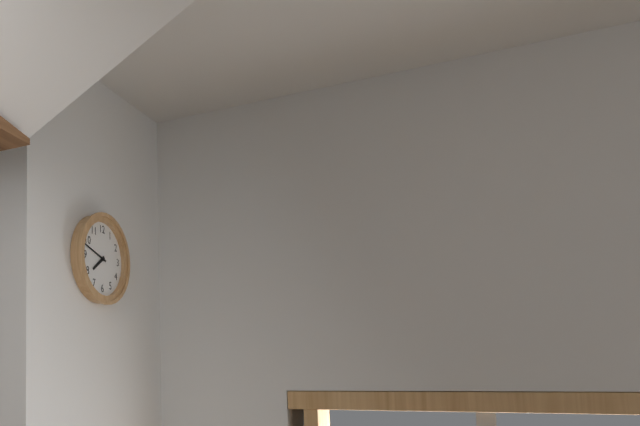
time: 7:48
